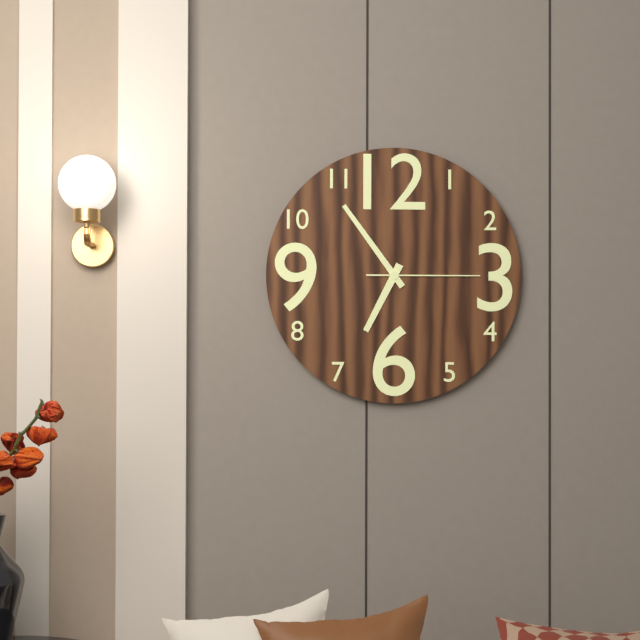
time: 6:54:15
